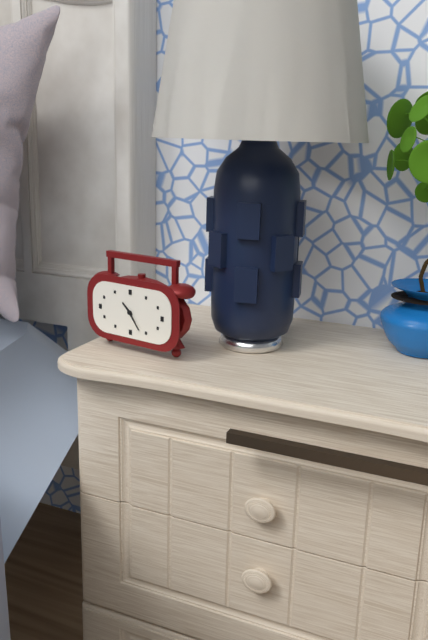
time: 10:24
